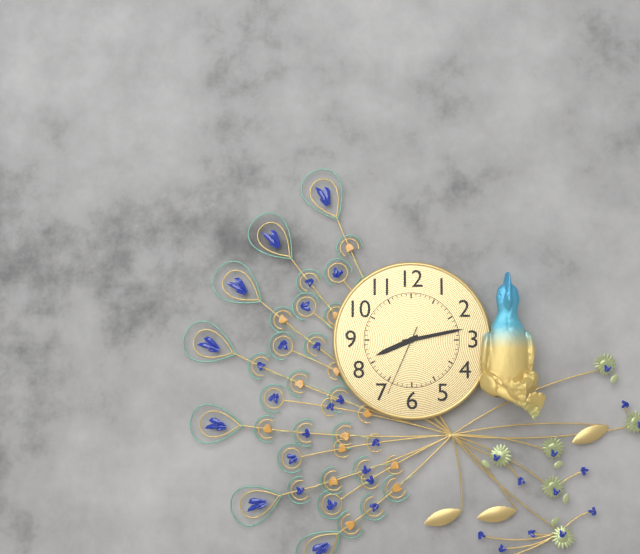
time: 8:13:34
